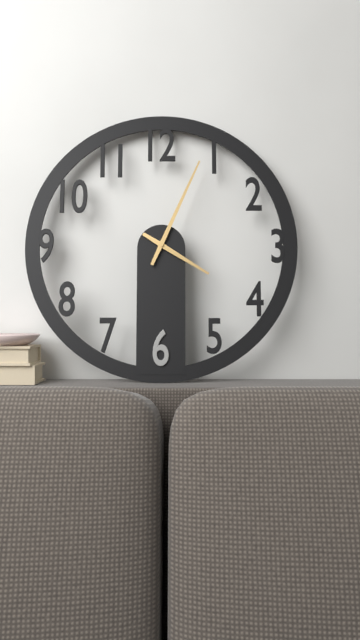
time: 4:04
